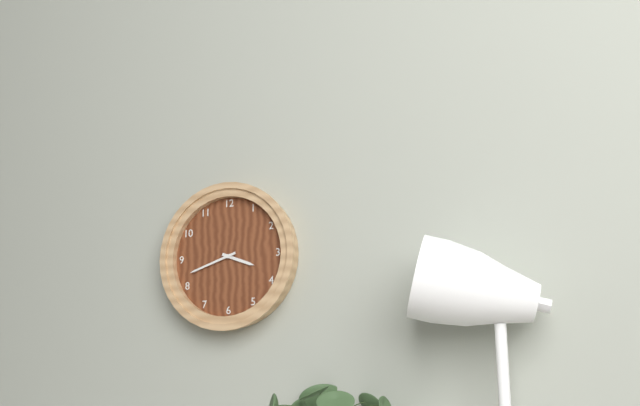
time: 3:42
